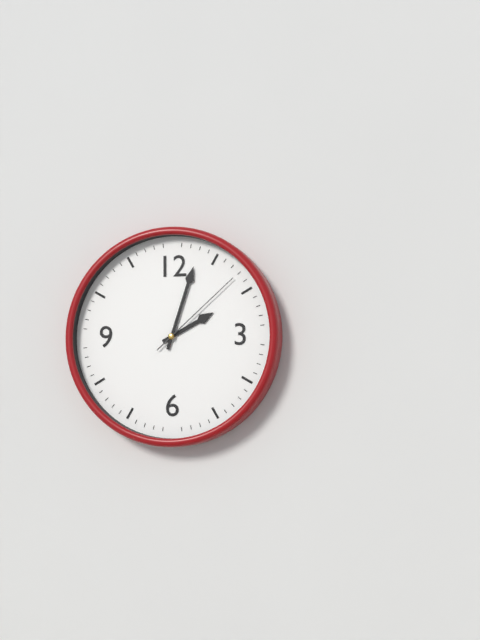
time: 2:03:08
